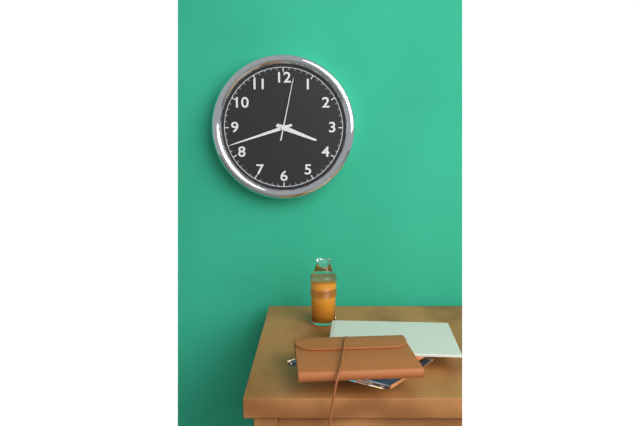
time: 3:42:02
